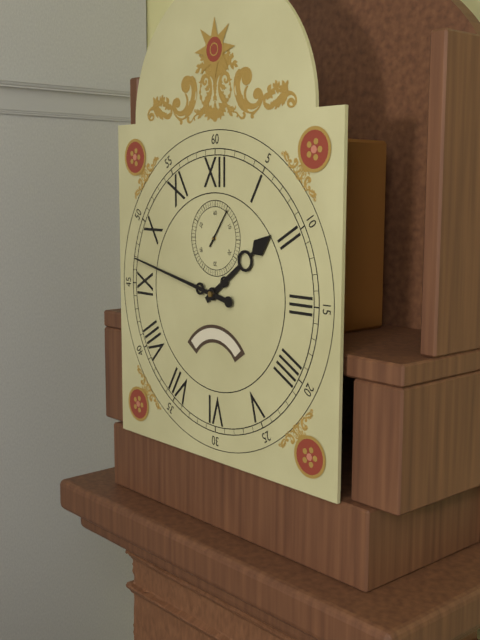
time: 1:47
